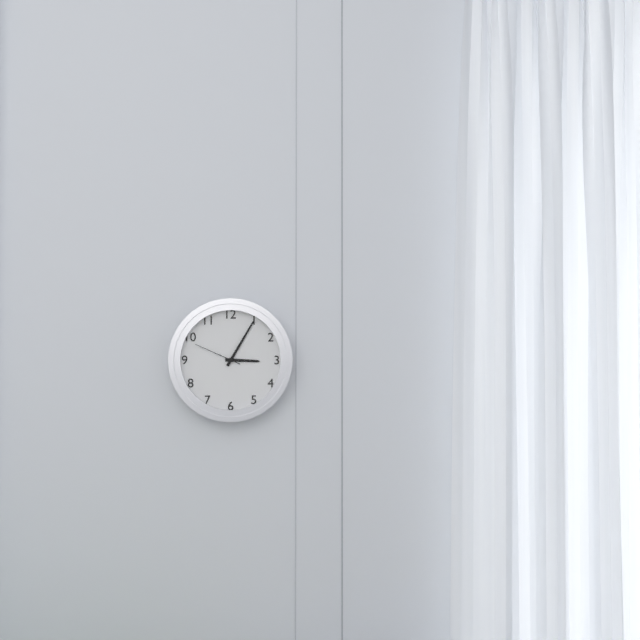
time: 3:05
